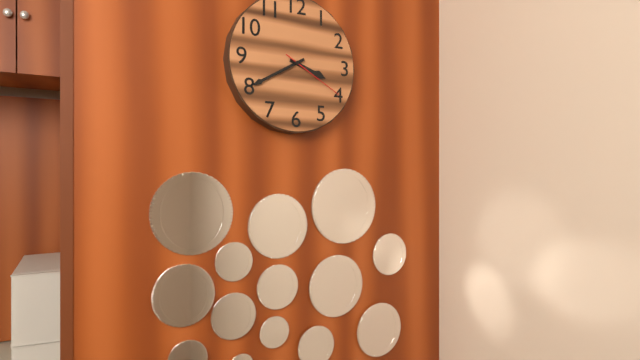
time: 3:40:20
